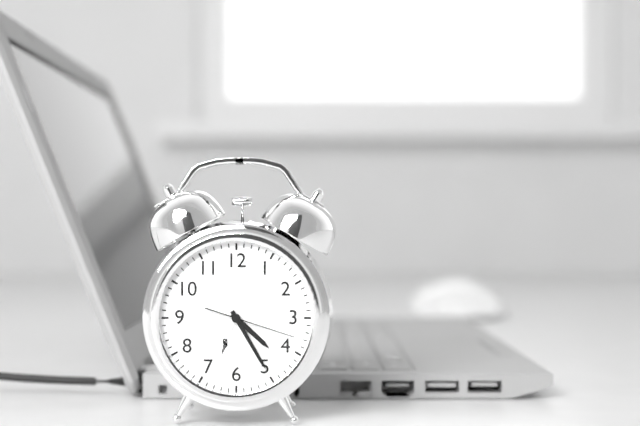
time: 4:25:18
